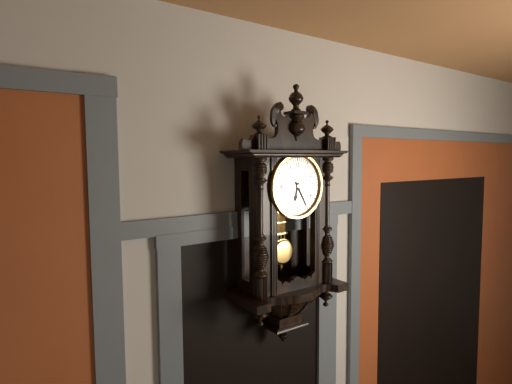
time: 6:25
